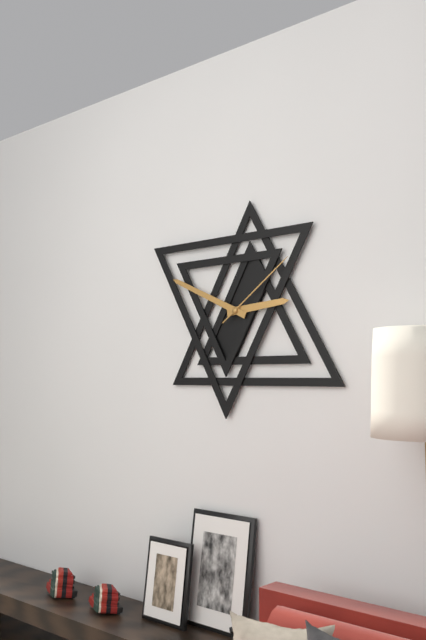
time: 2:49:09
